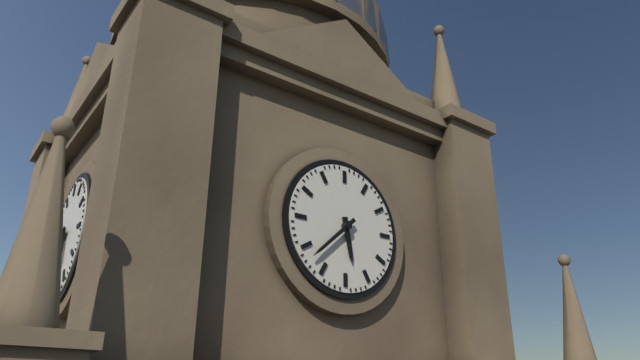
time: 5:38
